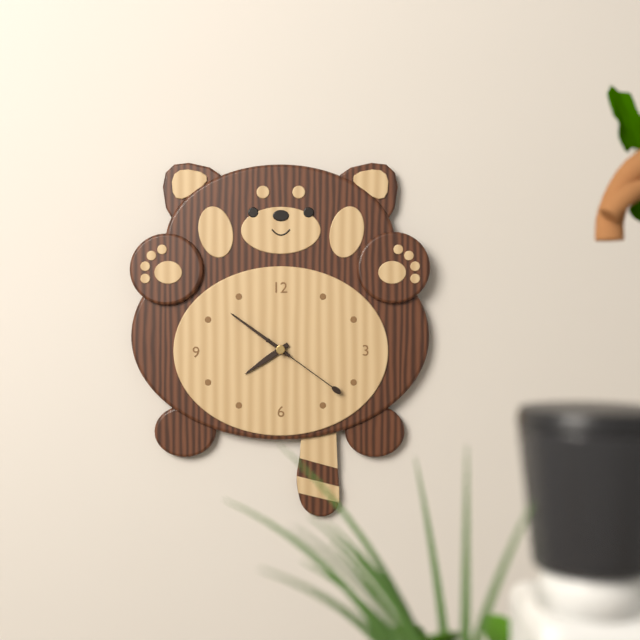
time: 7:51:21
